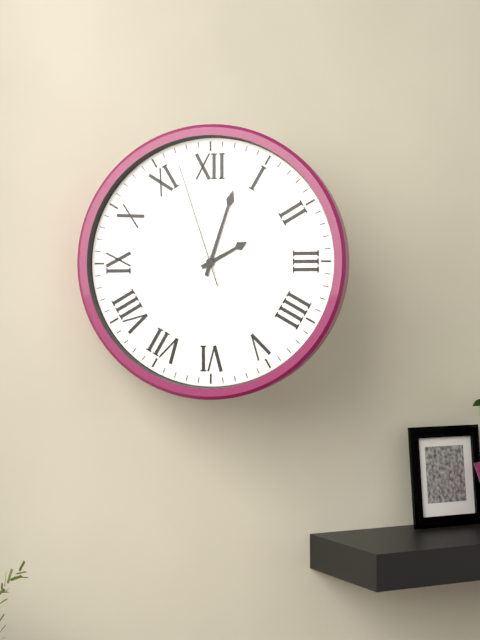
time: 2:03:57
